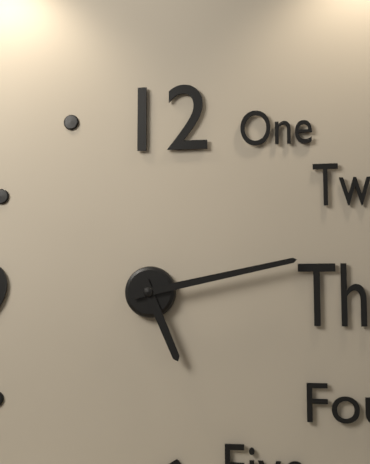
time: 5:13
